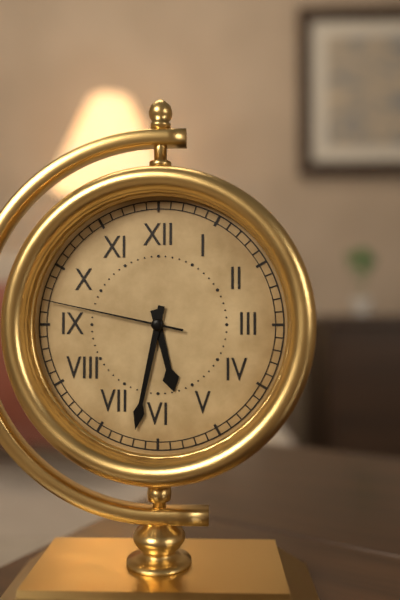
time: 5:32:47
